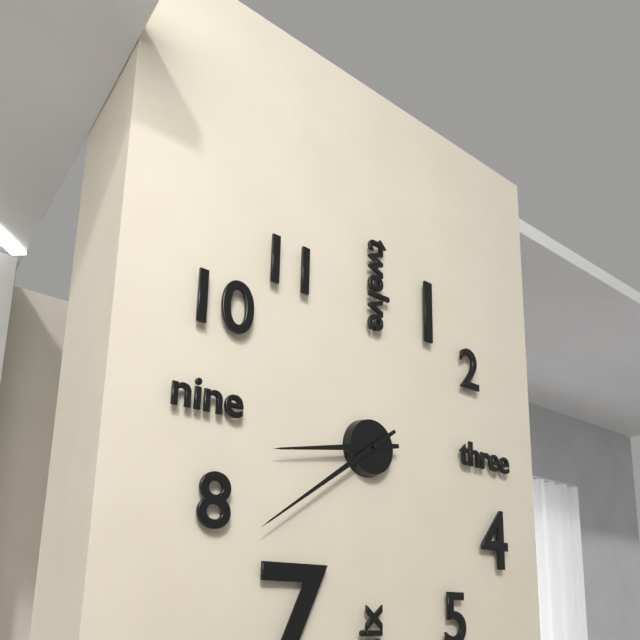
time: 8:39
